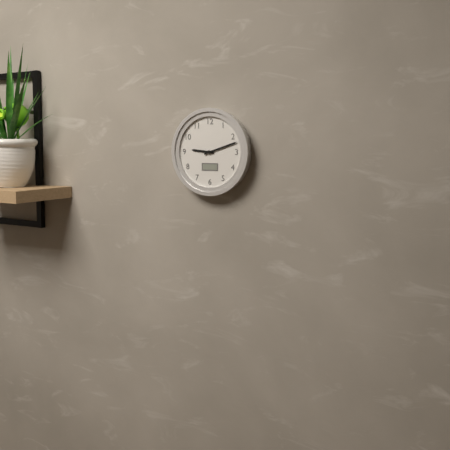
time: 9:12
